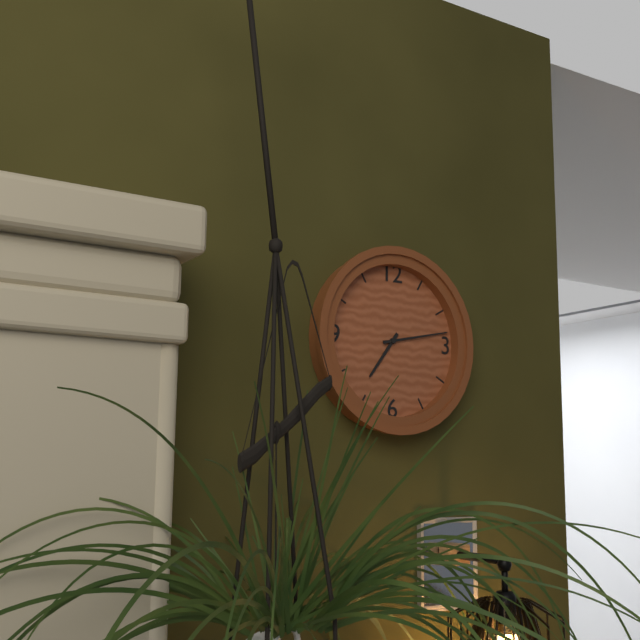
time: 7:13
